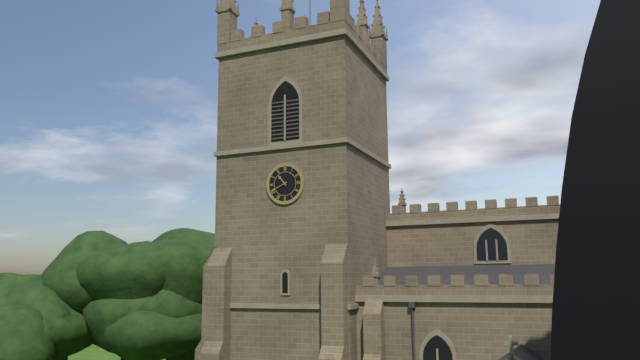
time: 10:41
